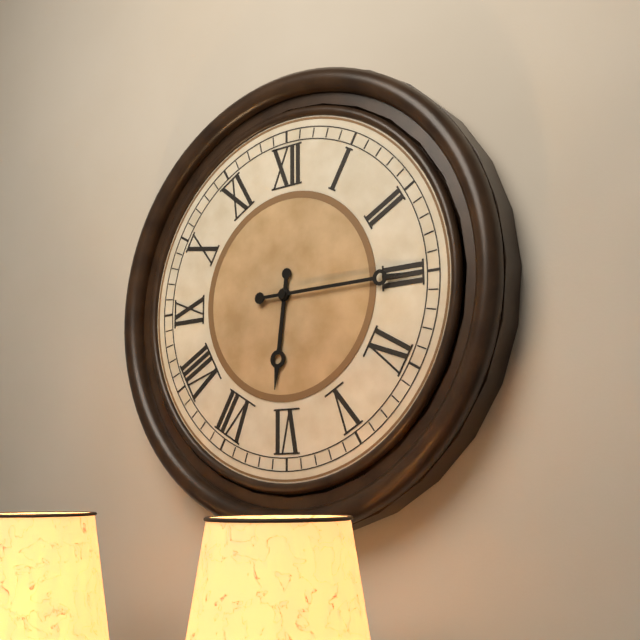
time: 6:15
